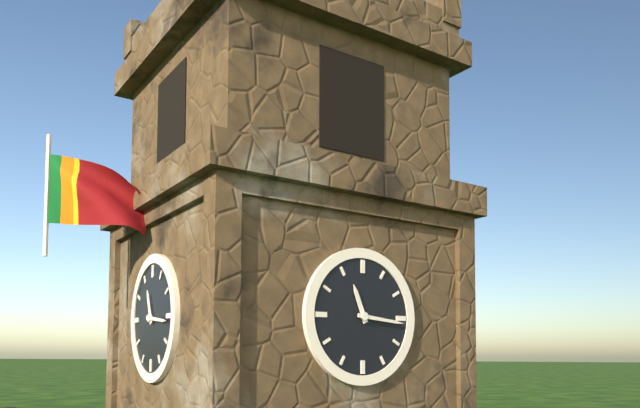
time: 11:16
